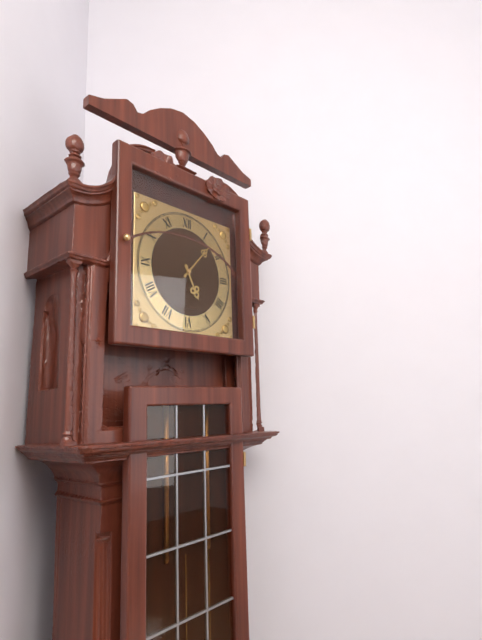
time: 5:07
